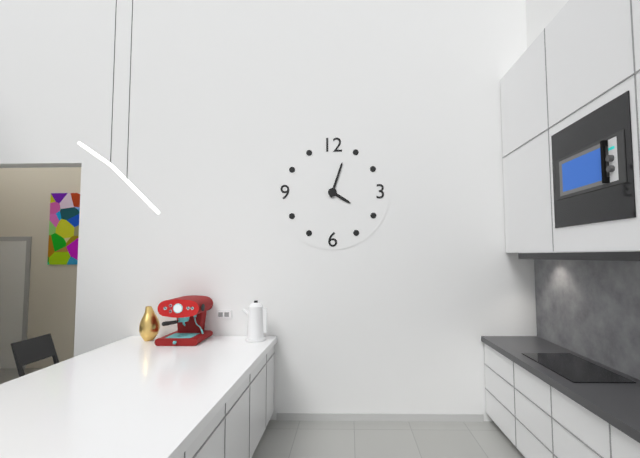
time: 4:03
